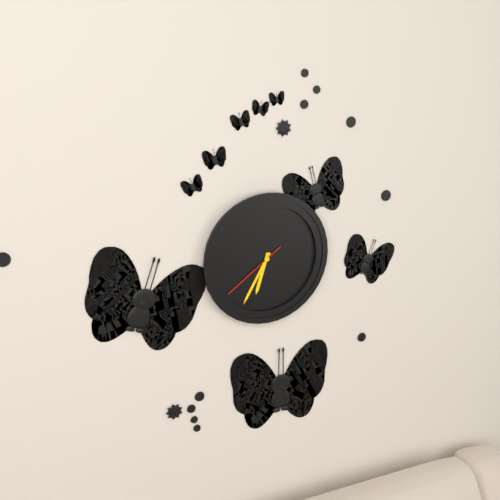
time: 6:35:39
